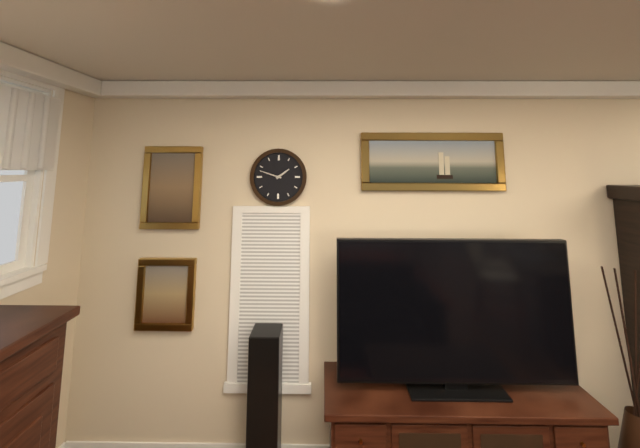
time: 1:48
